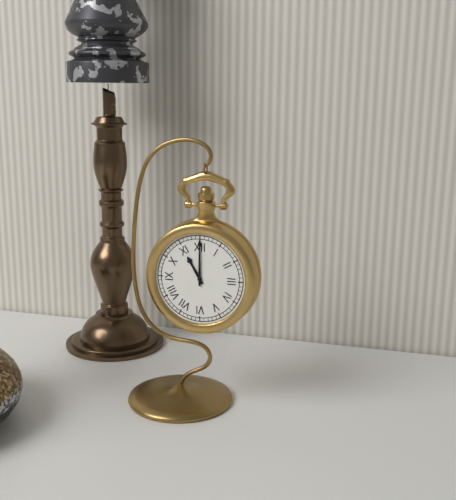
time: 11:00
